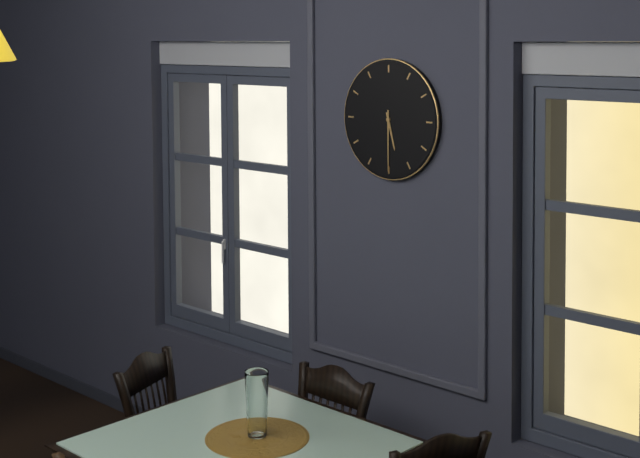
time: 5:30
